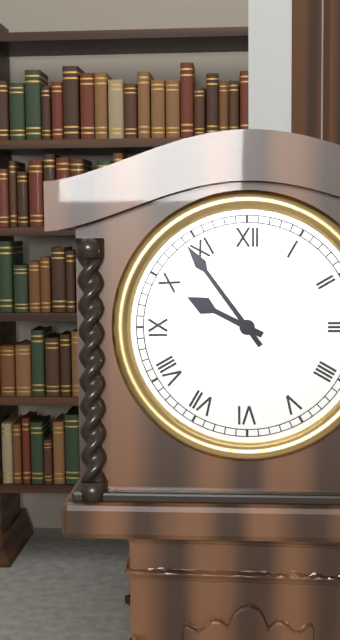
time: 9:54
